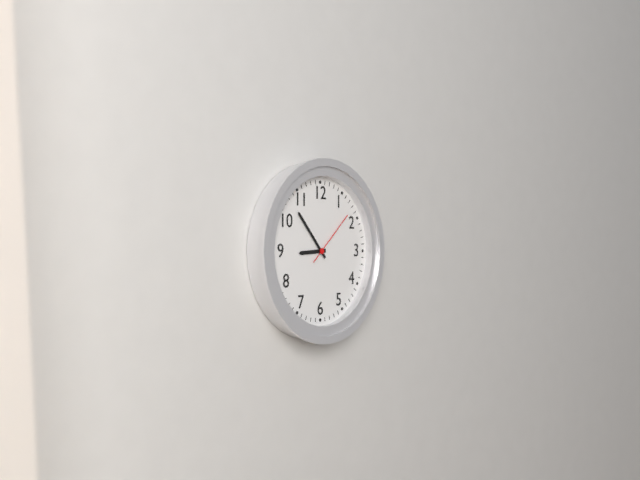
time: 8:53:08
